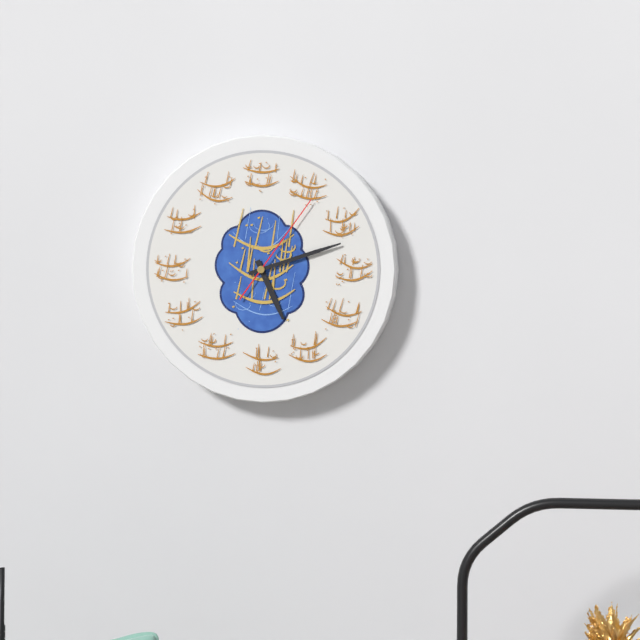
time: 5:12:06
